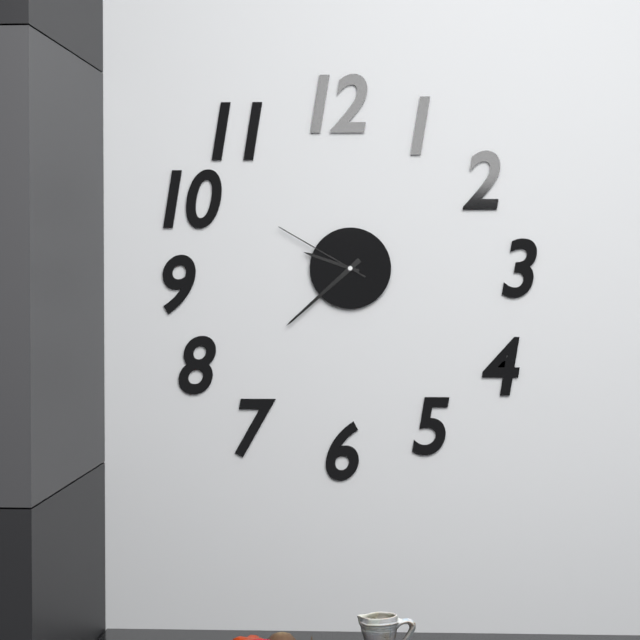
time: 9:38:50
